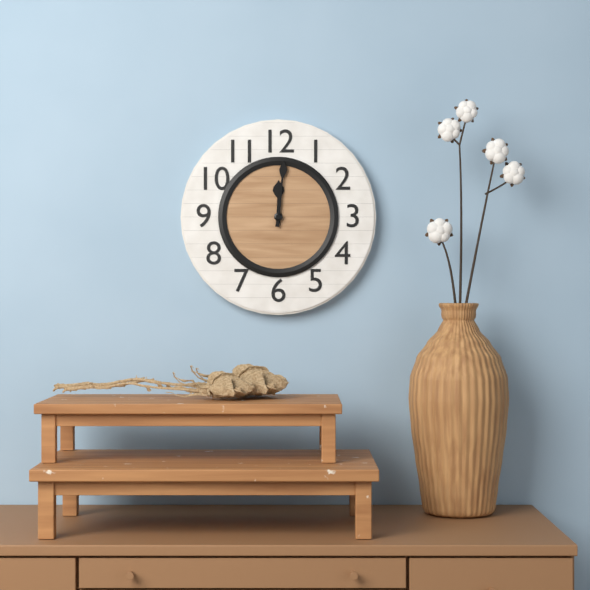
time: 12:01
